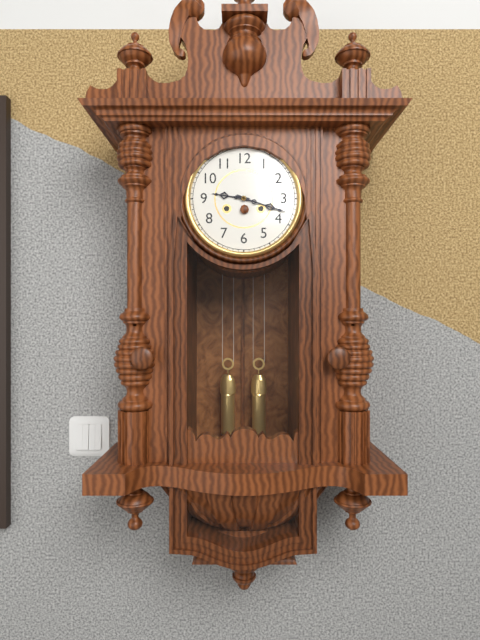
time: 9:18
